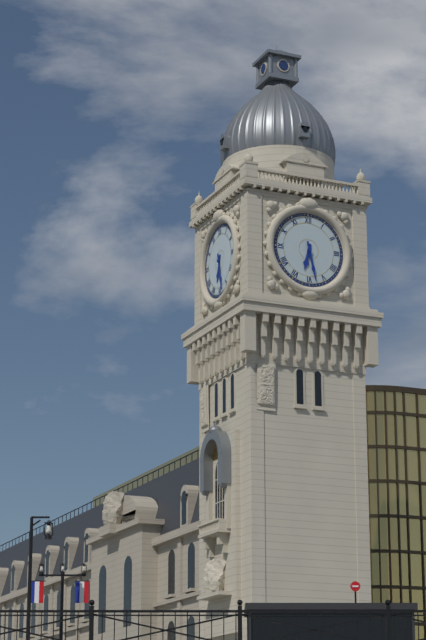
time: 6:28
